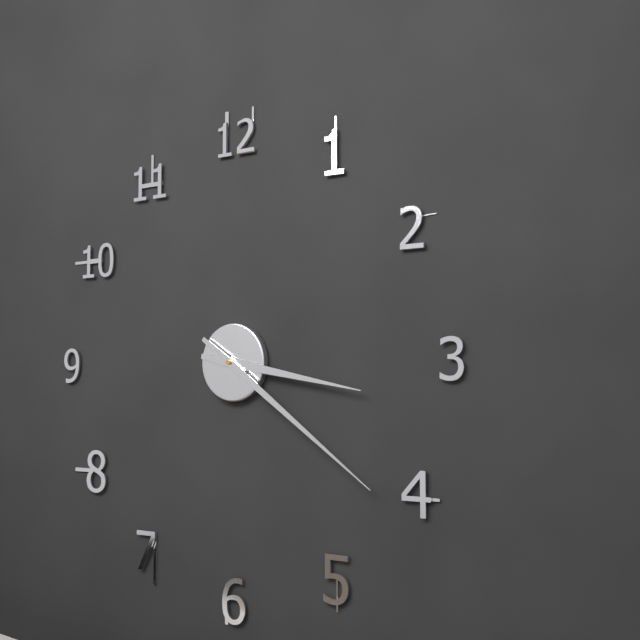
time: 3:21
